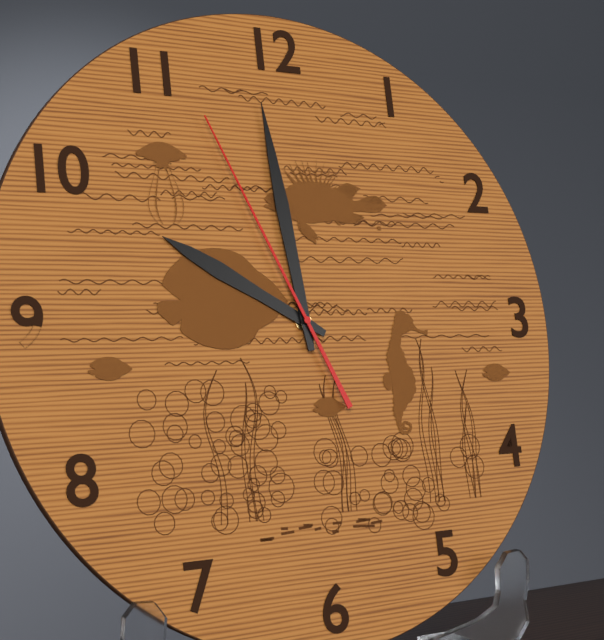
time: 9:59:56
